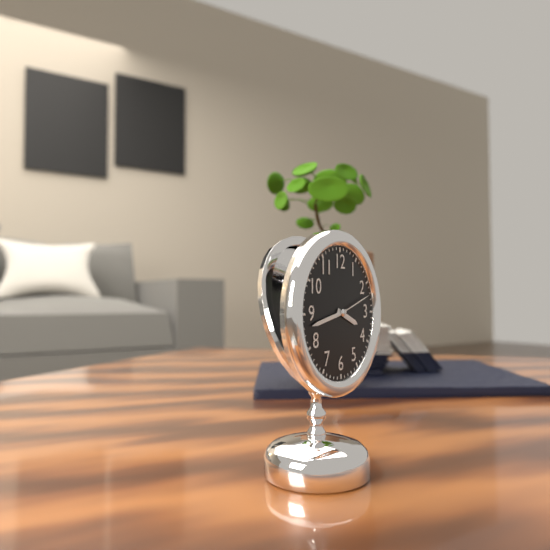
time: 3:43
